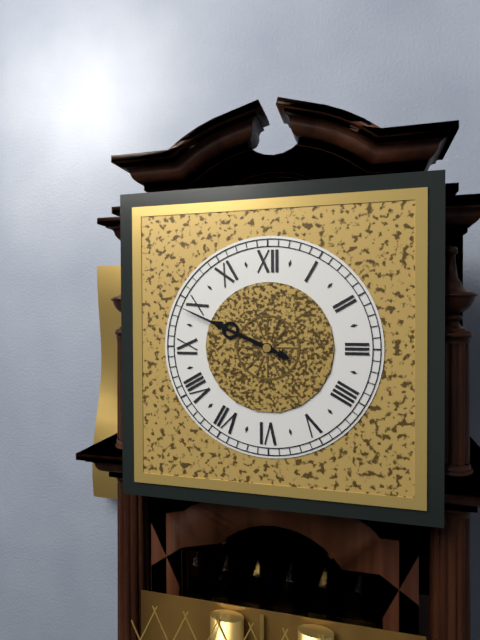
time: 9:49
